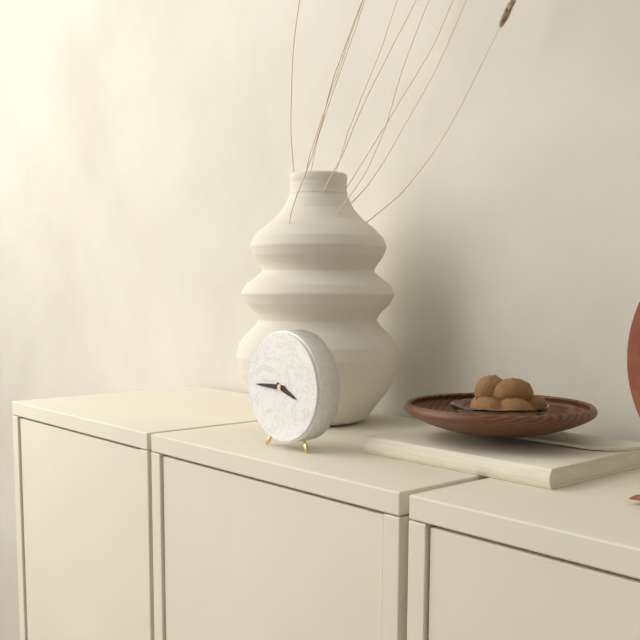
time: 3:45
